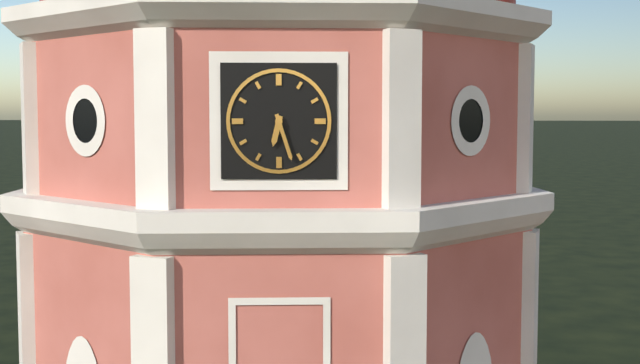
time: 6:27
